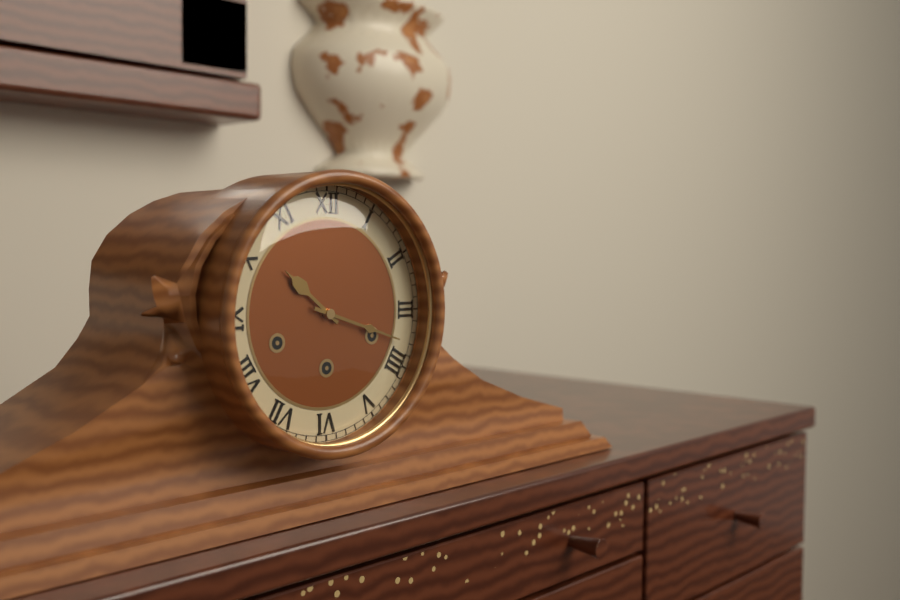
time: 10:18
